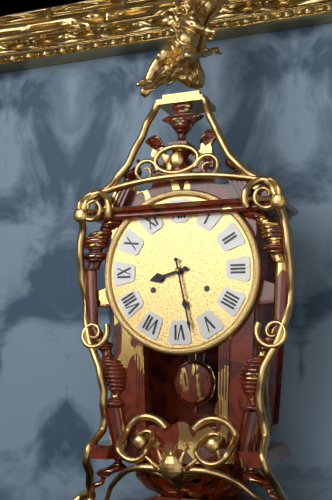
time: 8:28
